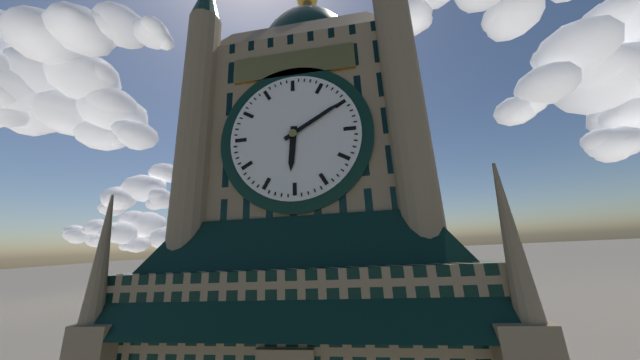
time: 6:10
